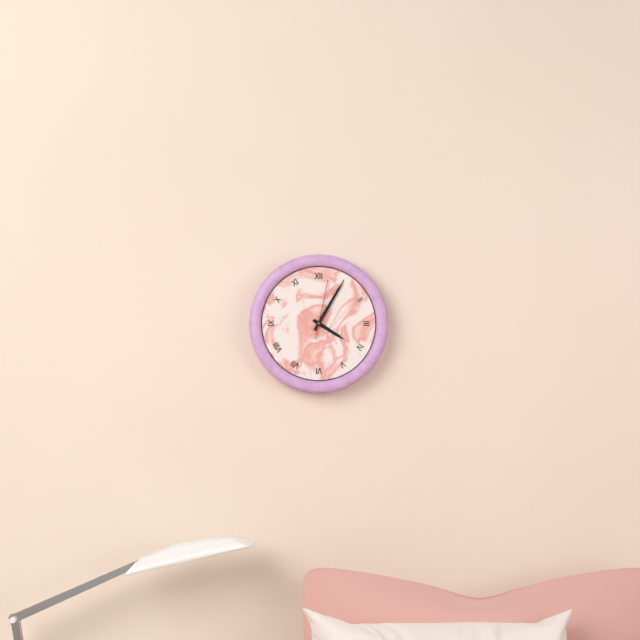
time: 4:05:02
